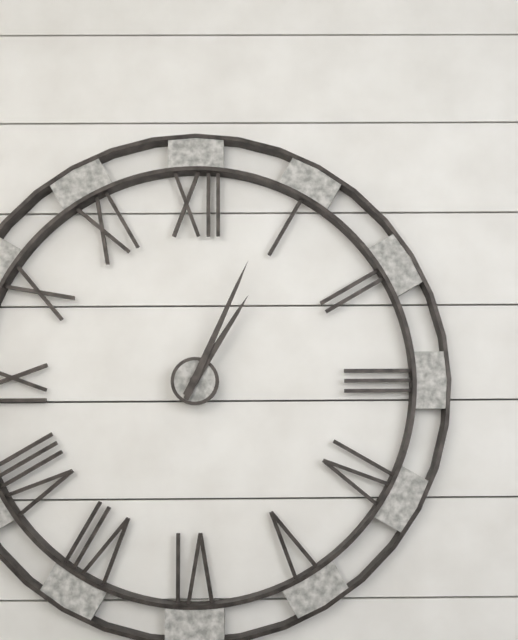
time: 1:04
